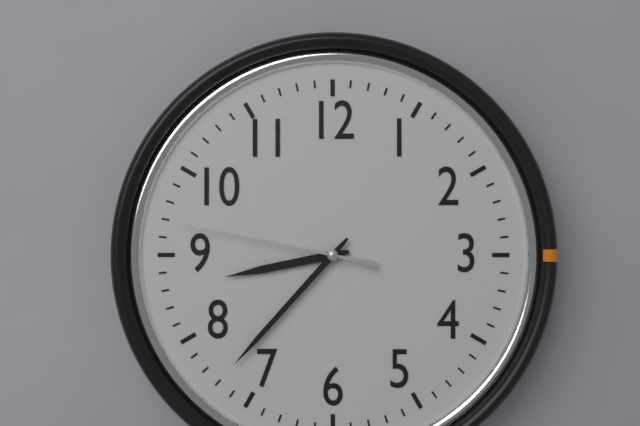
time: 8:37:47
